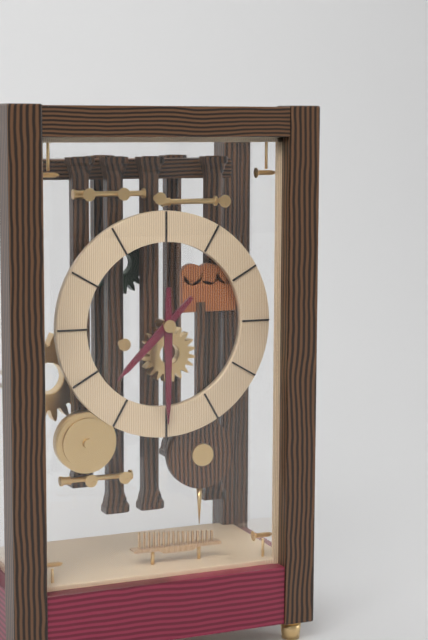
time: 7:30
